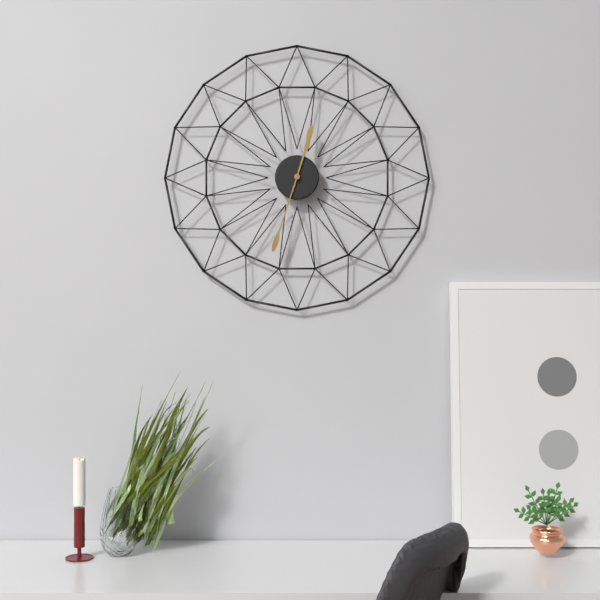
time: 12:33
